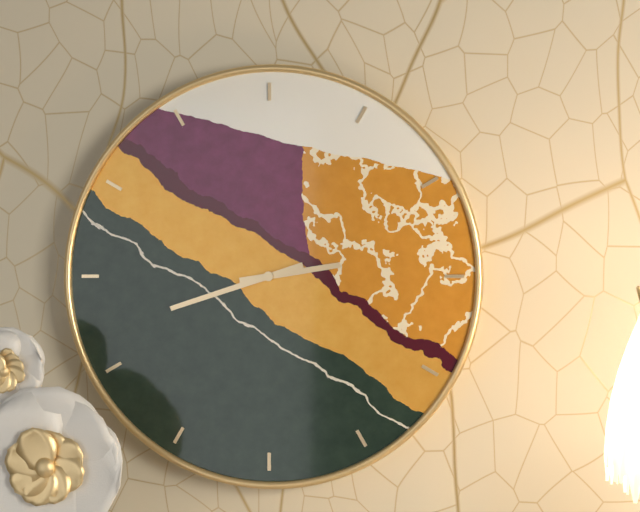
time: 2:42
